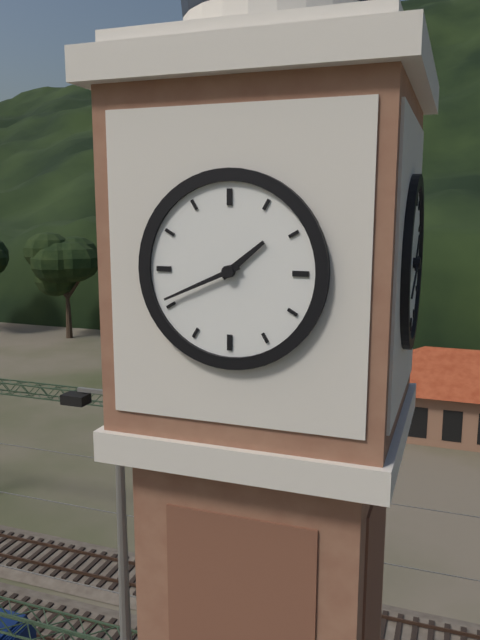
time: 1:41
